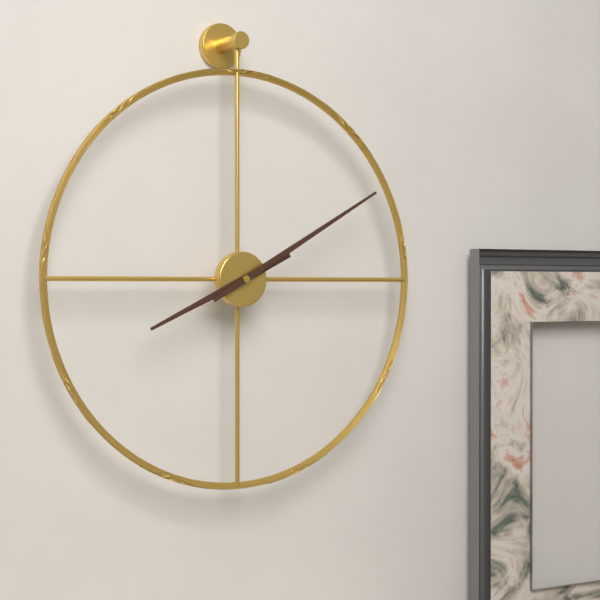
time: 8:10
